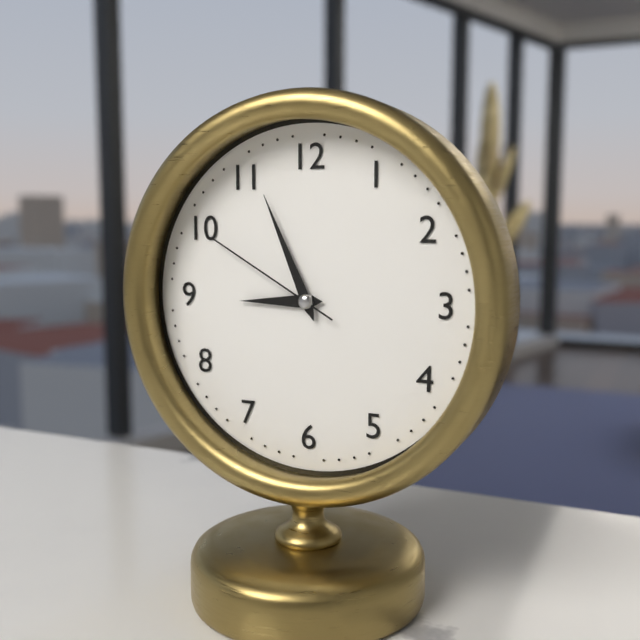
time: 8:56:50
